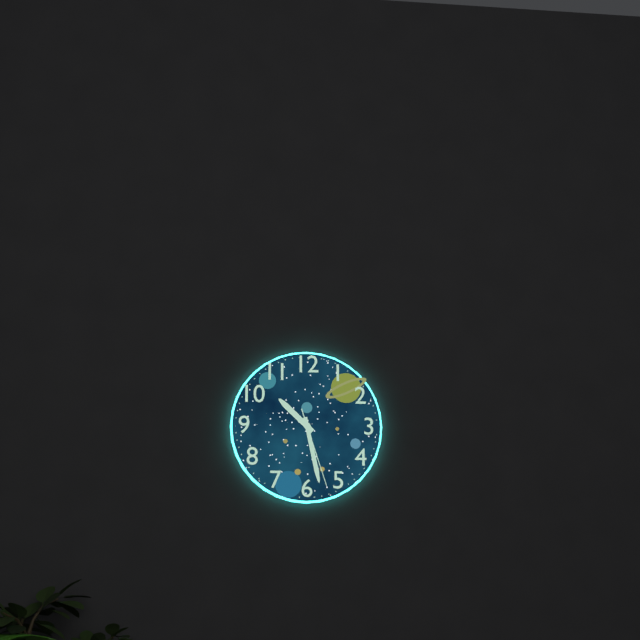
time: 10:28:27
